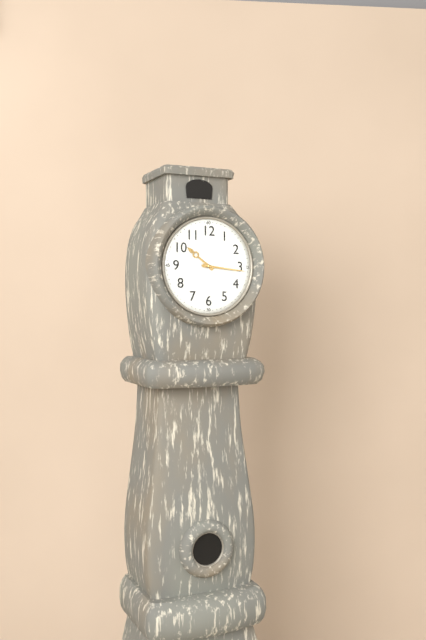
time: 10:16
